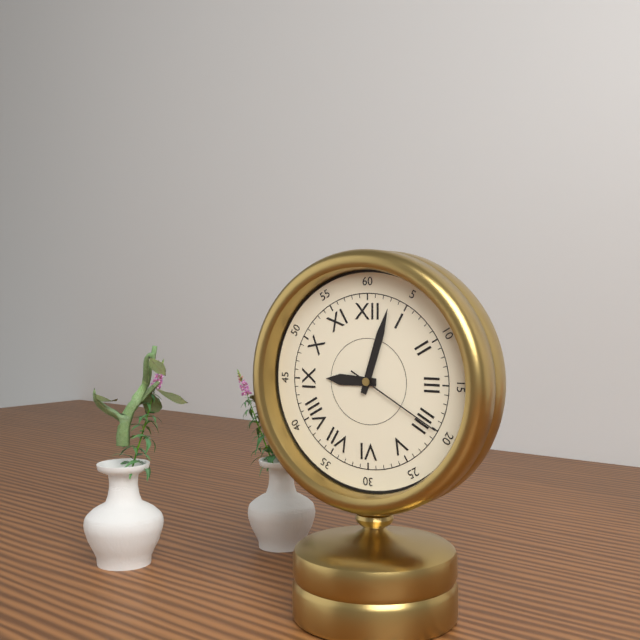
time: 9:03:20
